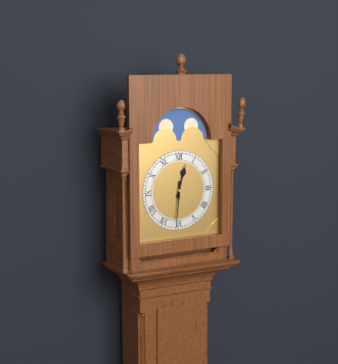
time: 12:31
